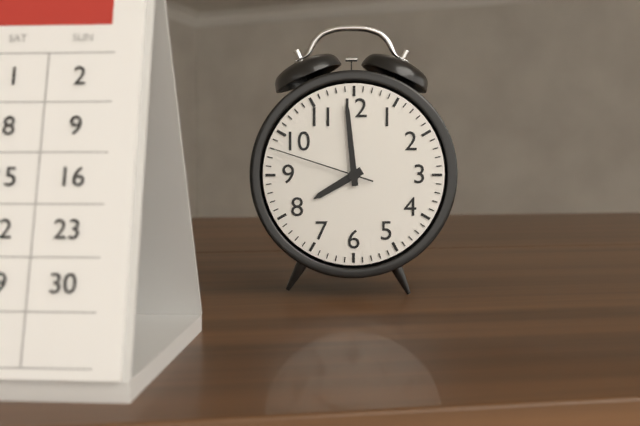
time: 7:59:48
